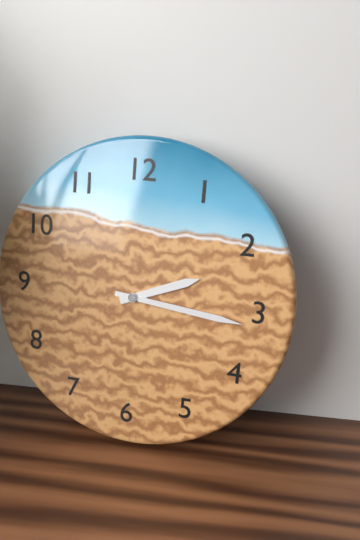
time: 2:16
